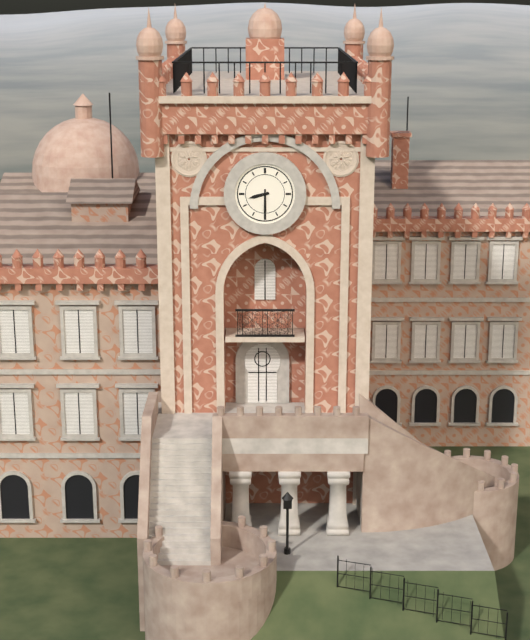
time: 8:30
